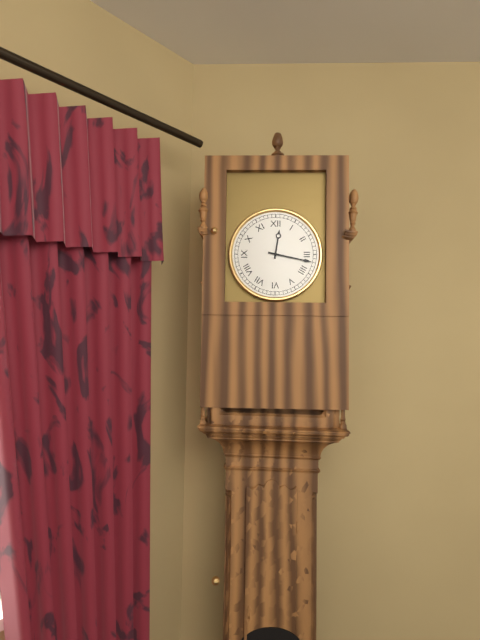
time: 12:17
